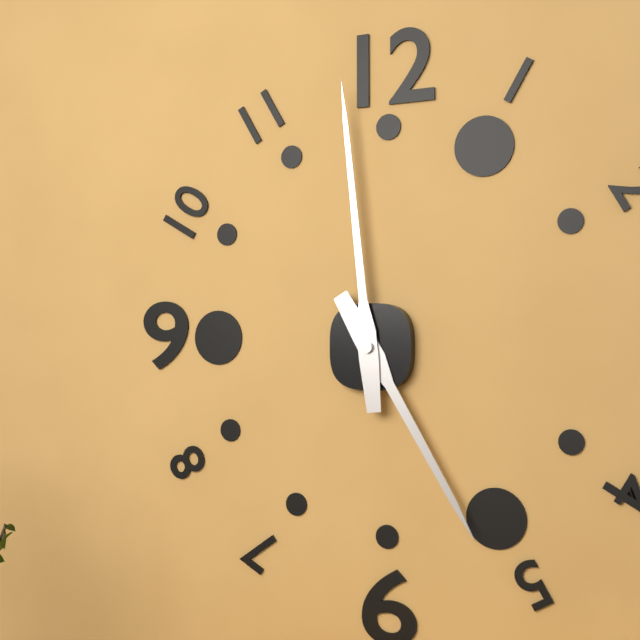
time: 4:59
